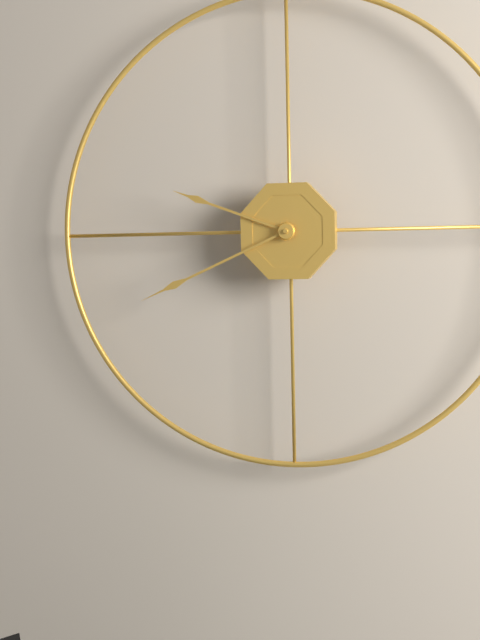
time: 9:41
